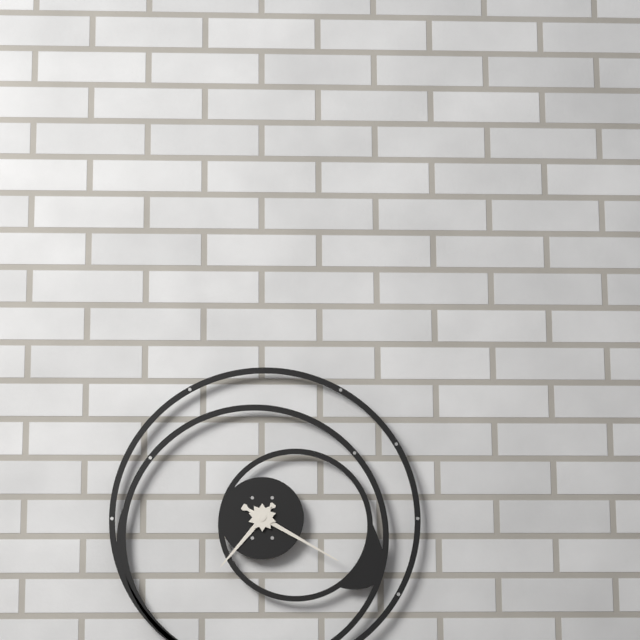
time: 7:20
